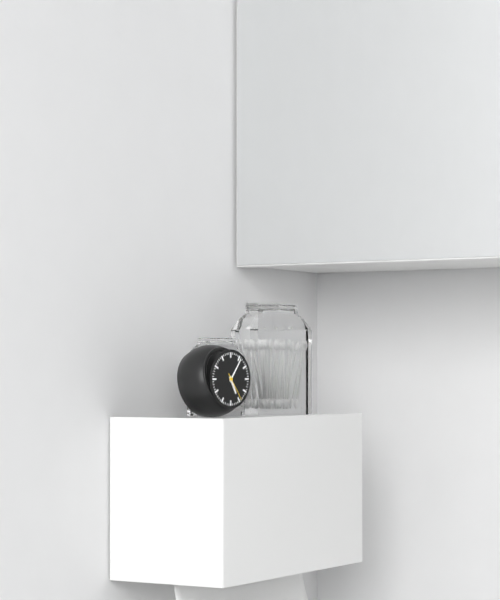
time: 5:06
